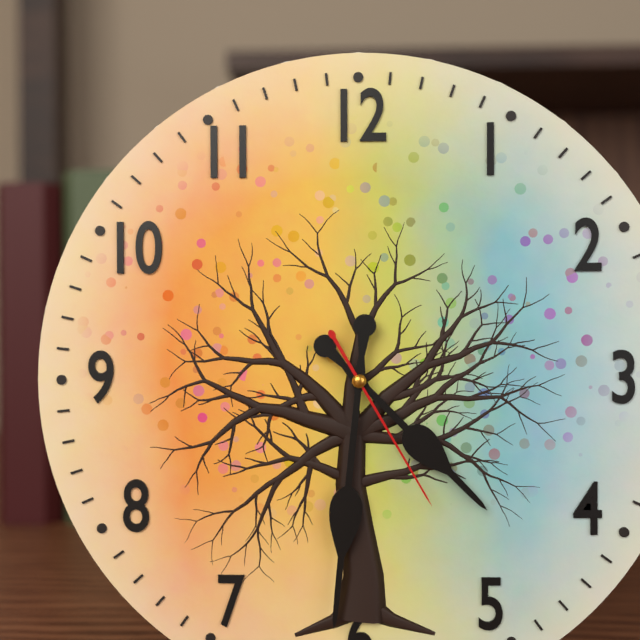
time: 4:31:25
